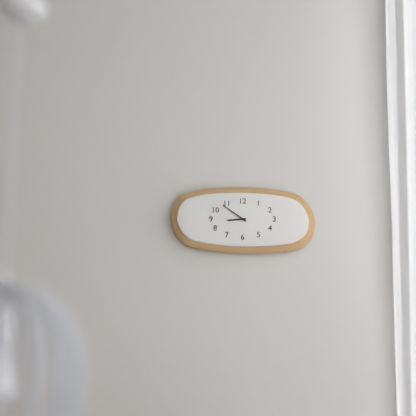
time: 8:51
